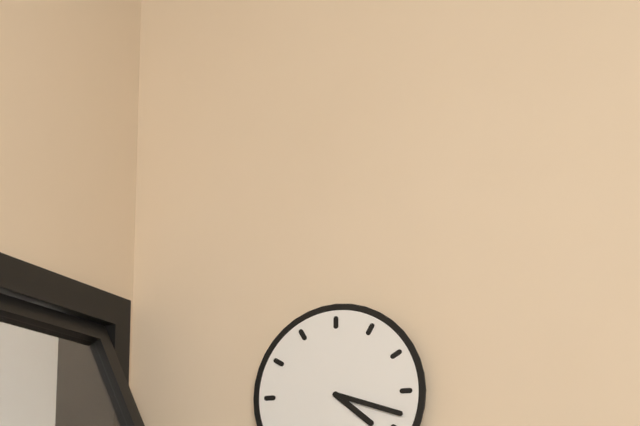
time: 4:18
